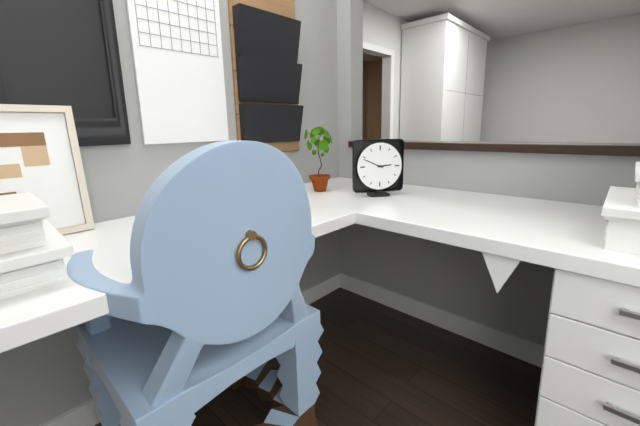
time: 2:49
